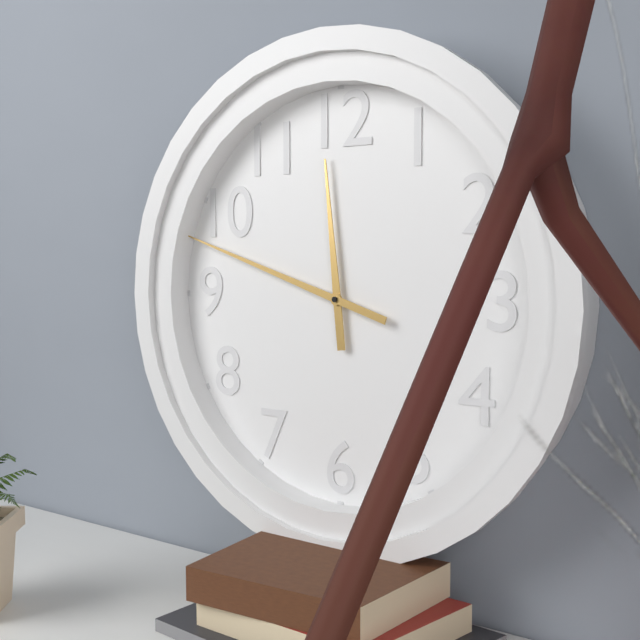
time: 11:48
